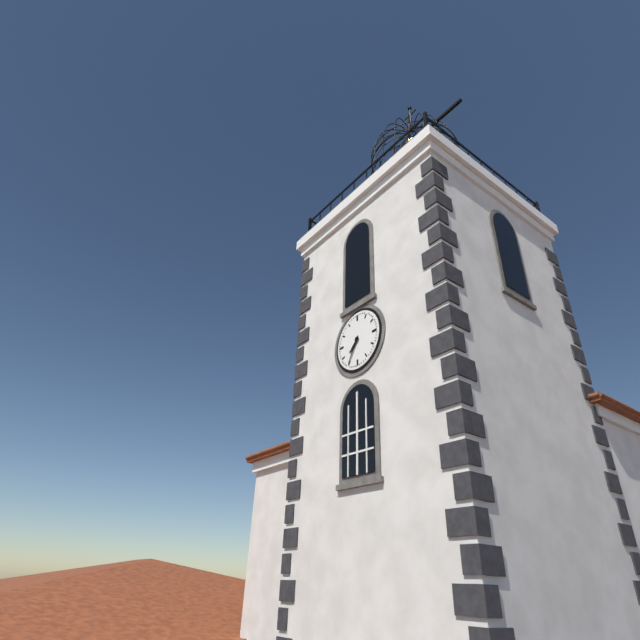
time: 7:35
